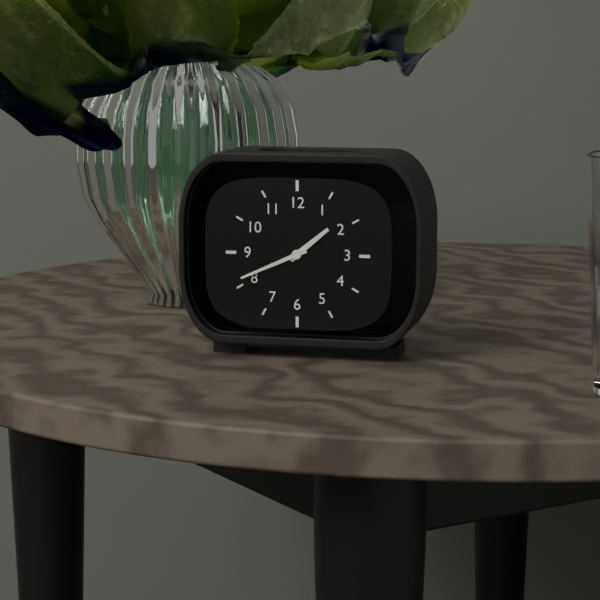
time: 1:41
